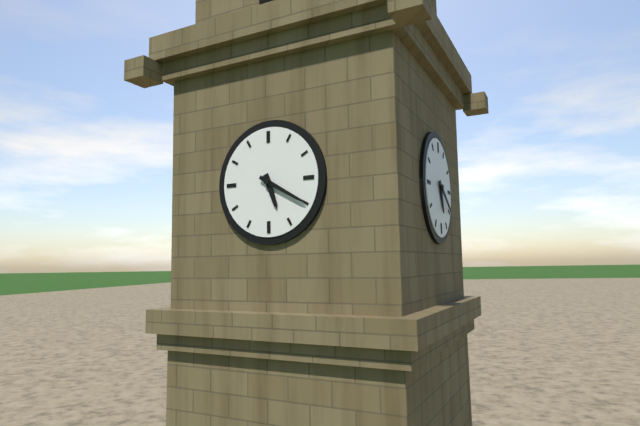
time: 5:20
